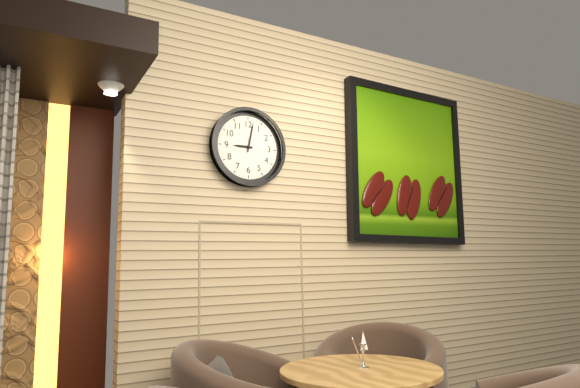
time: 9:02
